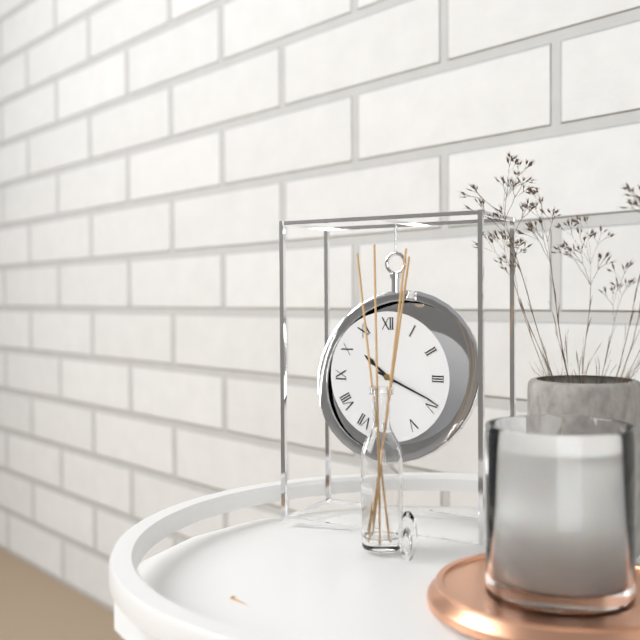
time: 10:19
